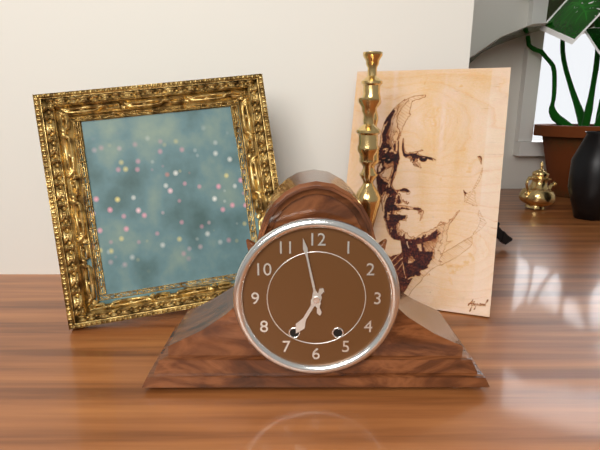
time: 6:58
